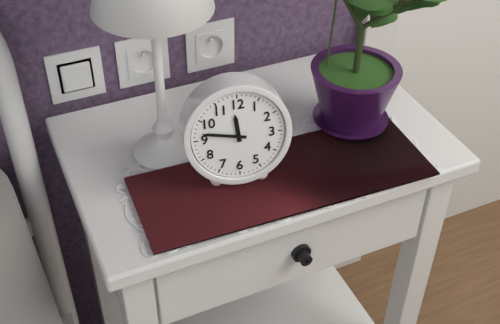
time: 11:47
